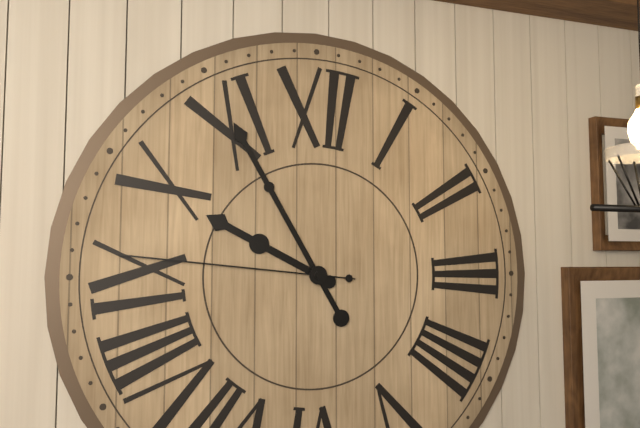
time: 9:55:46
